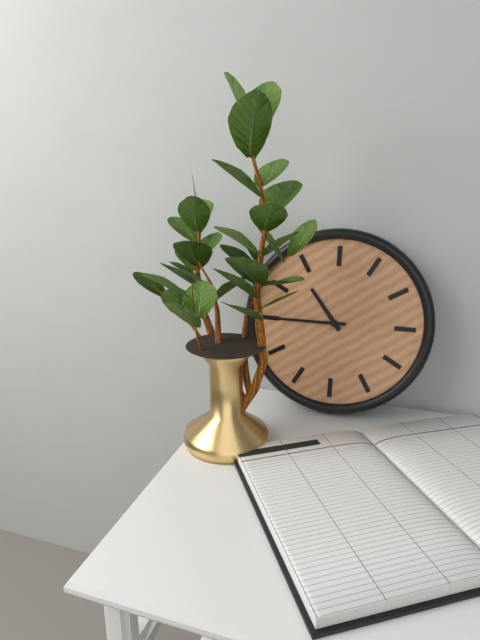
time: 10:45
